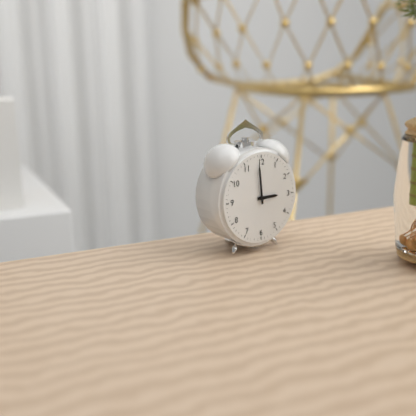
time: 2:59
